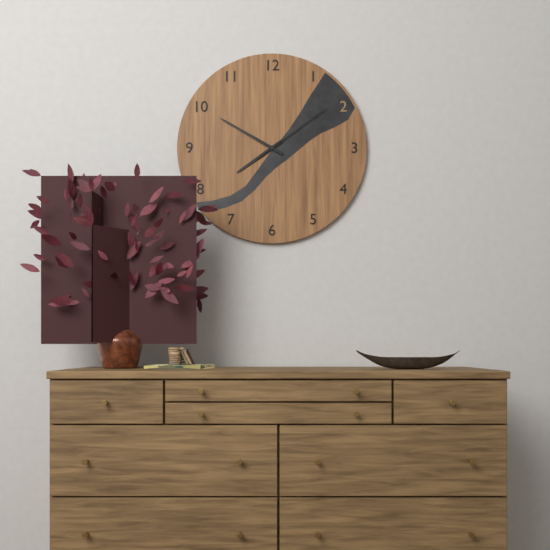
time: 7:50:09
